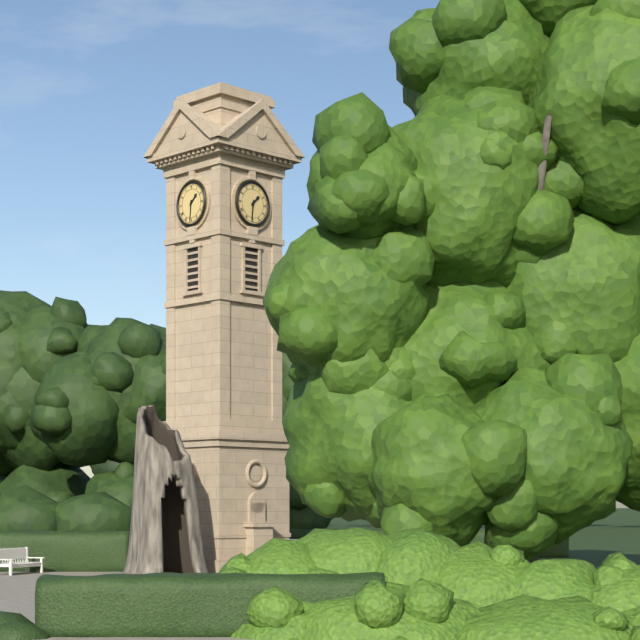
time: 1:31
